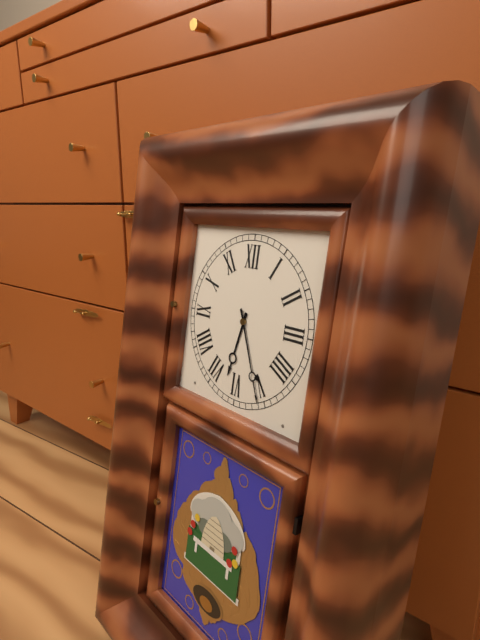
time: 6:26
